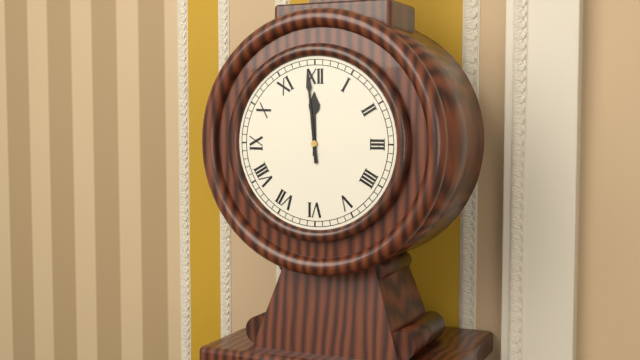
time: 11:59
